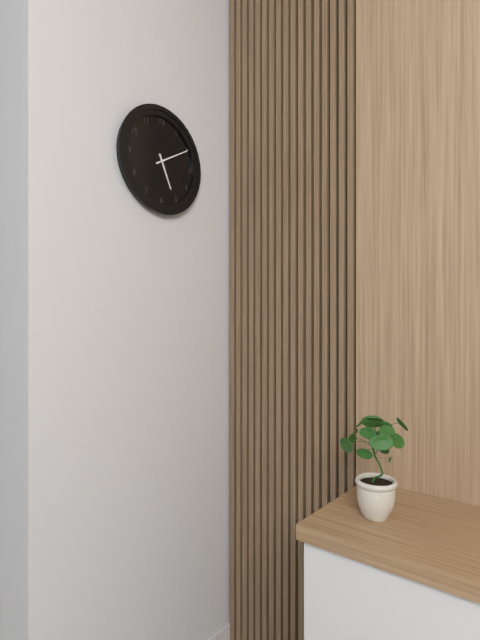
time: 5:10
